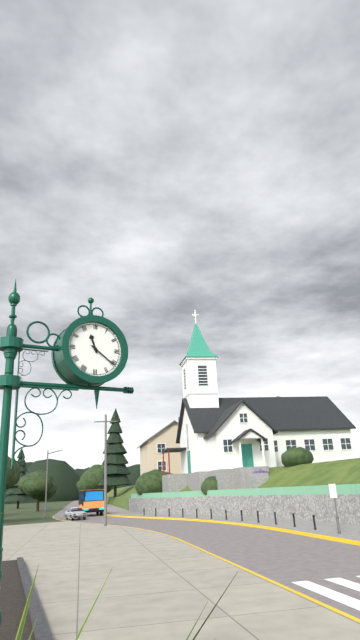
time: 11:21
